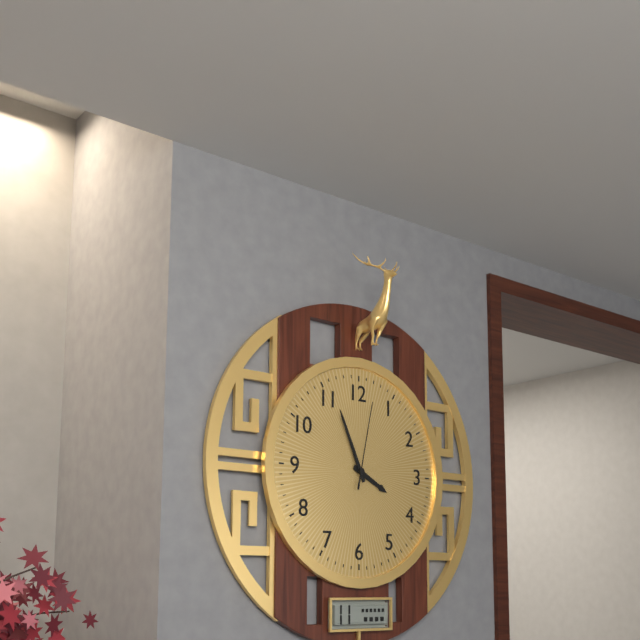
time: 3:56:02
